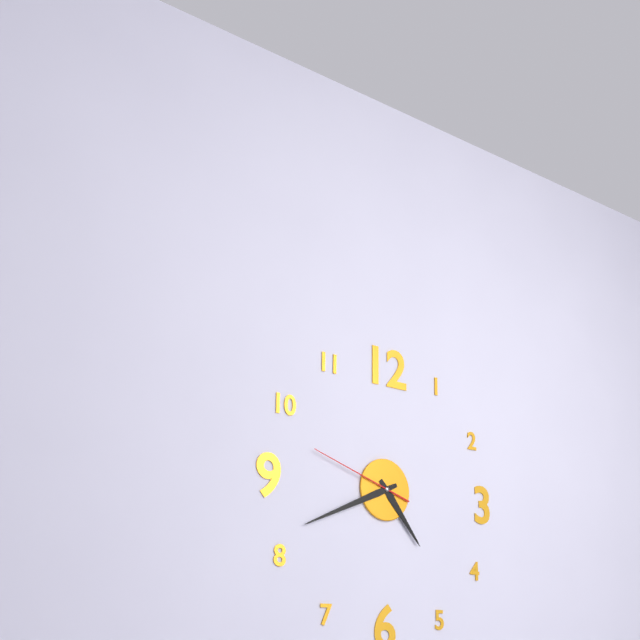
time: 4:41:48
